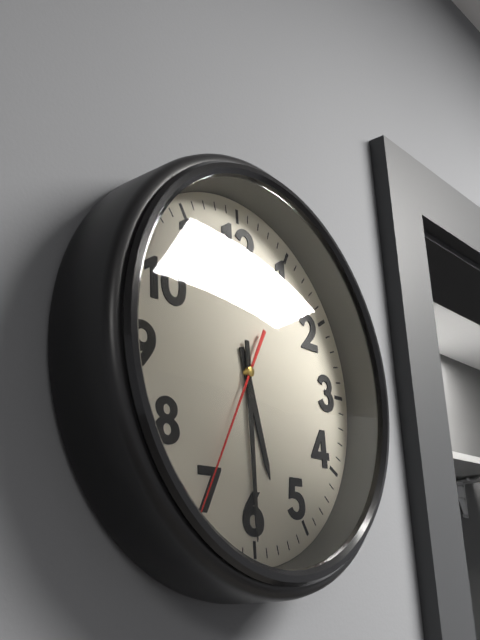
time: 5:30:35
